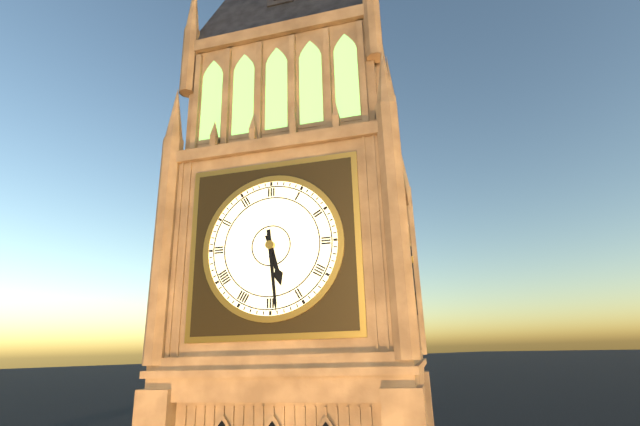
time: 5:29
